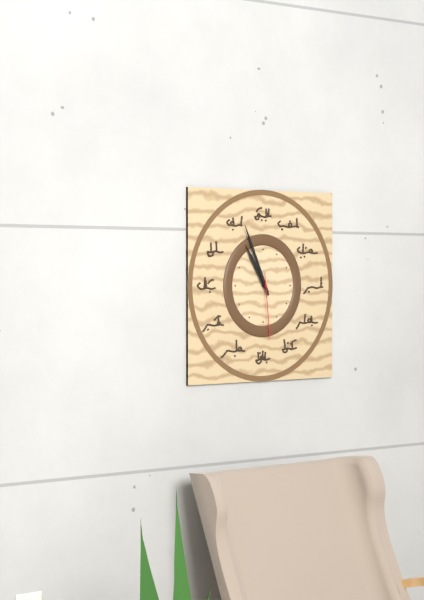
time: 10:56:29
